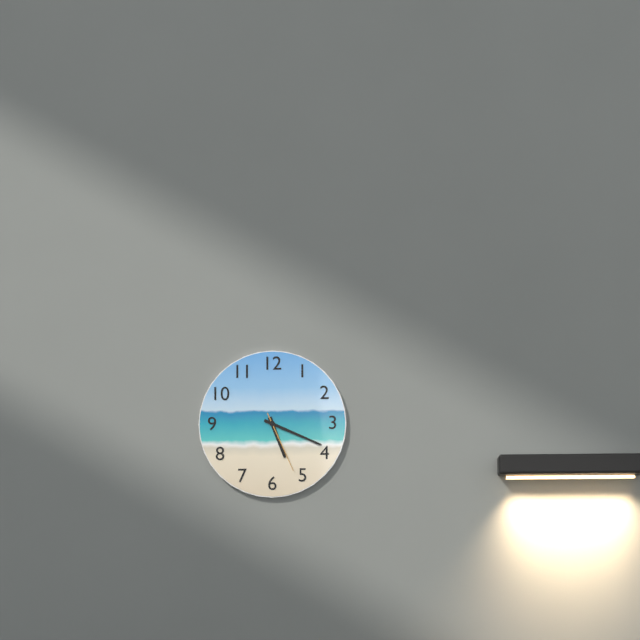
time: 5:19:26
